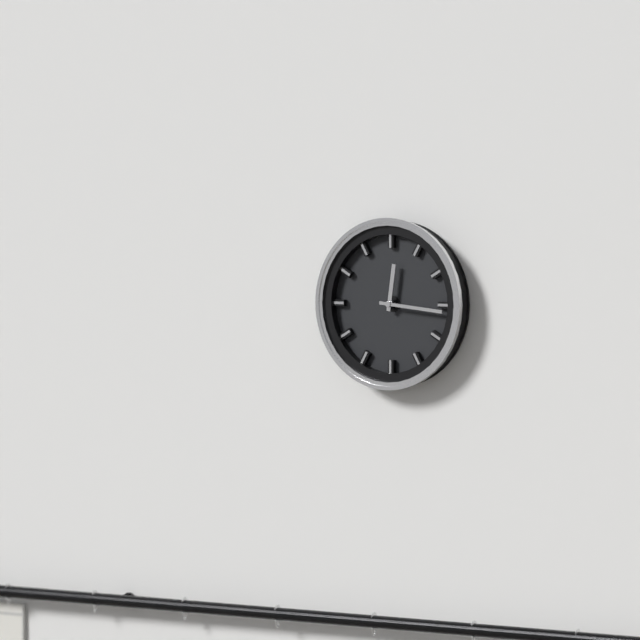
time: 12:16
